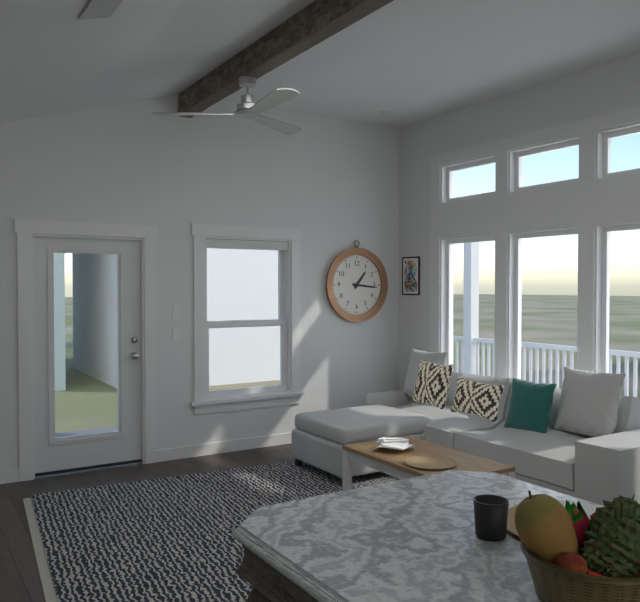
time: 1:16
